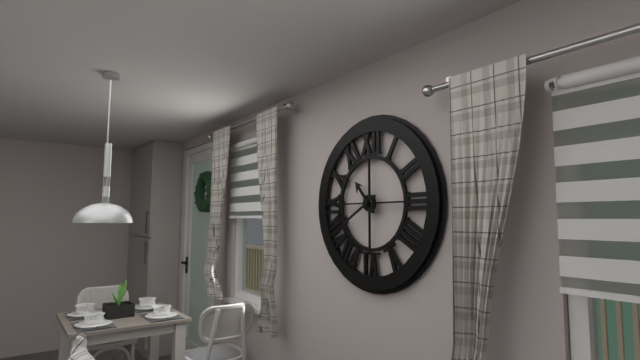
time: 10:40
